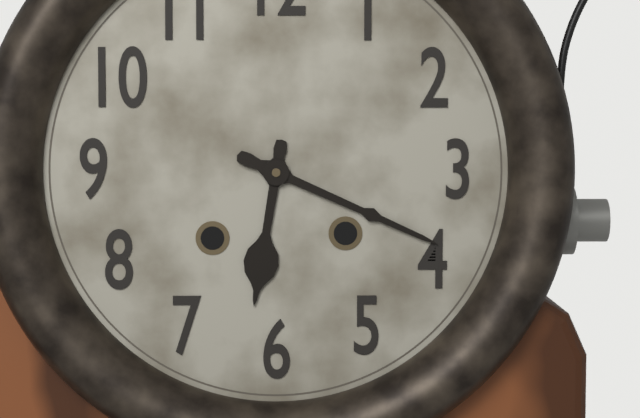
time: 6:19
